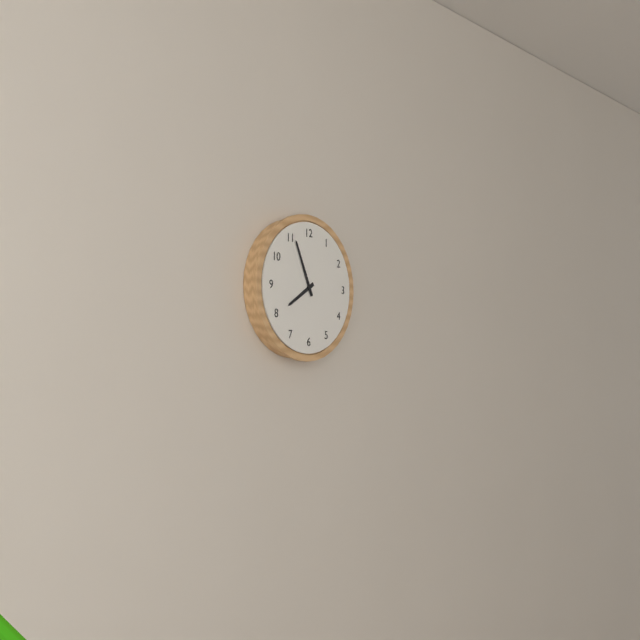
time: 7:56
